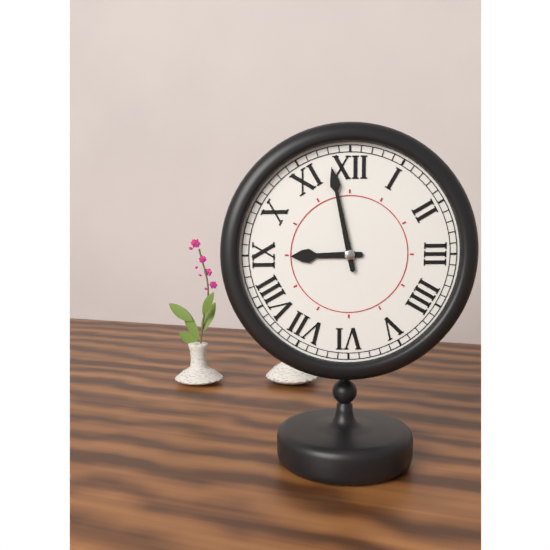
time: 8:58
